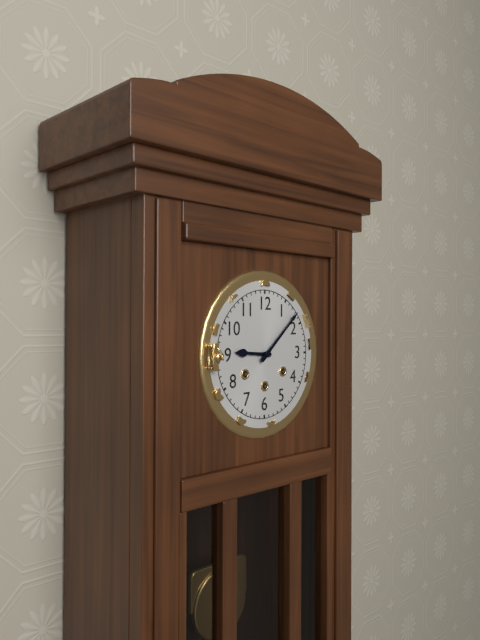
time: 9:08
